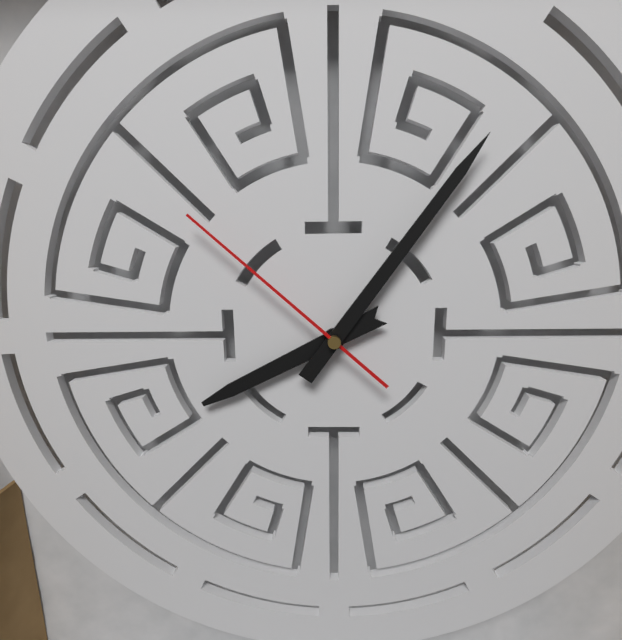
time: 8:06:52
